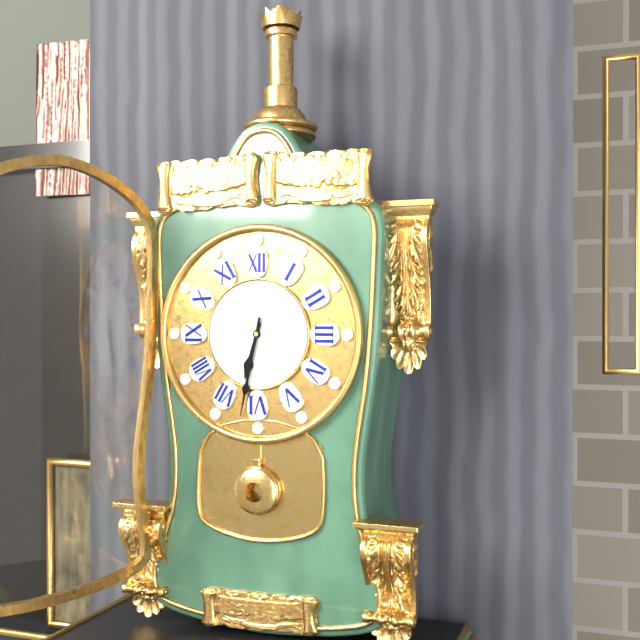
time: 6:32
